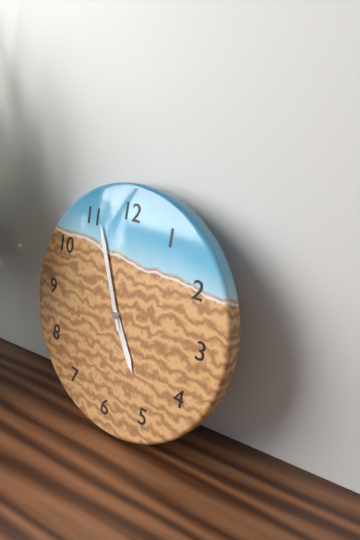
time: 4:56
